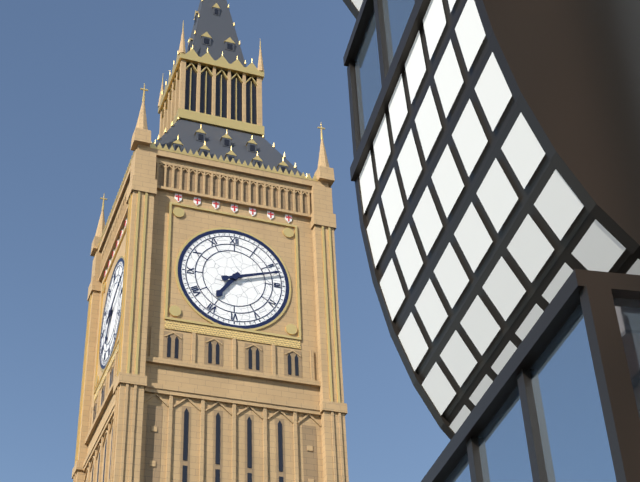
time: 7:12
